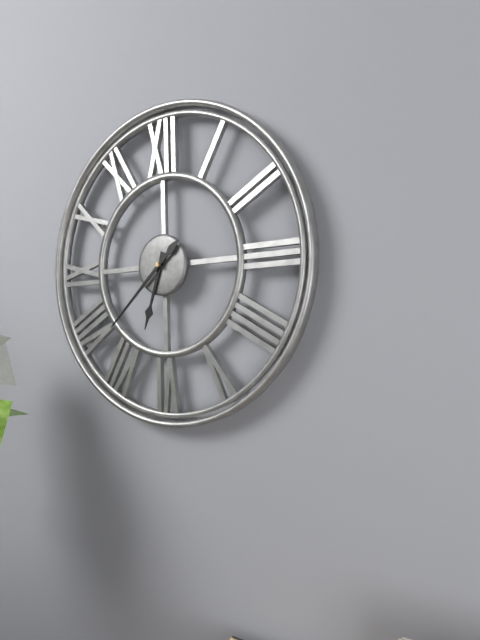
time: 6:38
